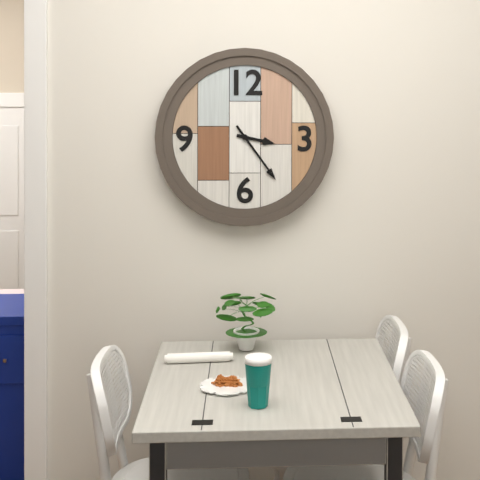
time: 3:24
